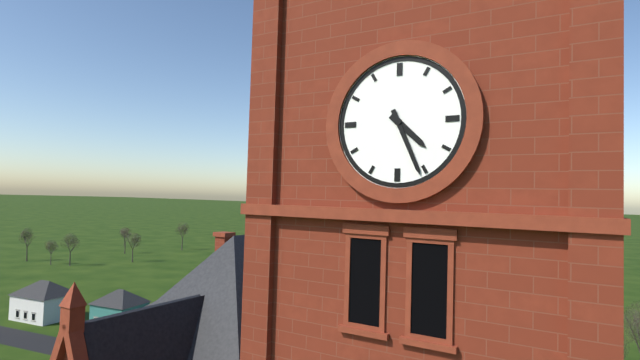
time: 4:26
